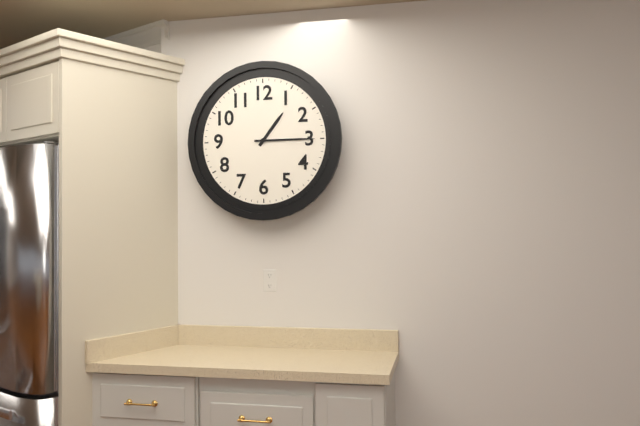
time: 1:15
